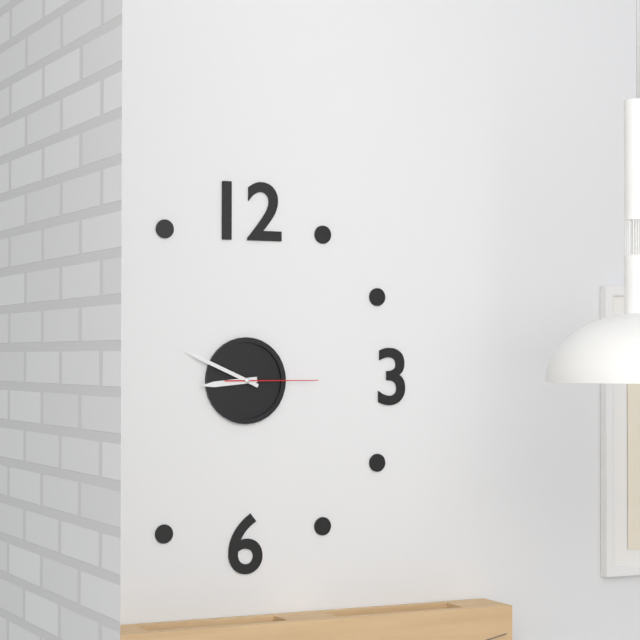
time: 8:49:15
